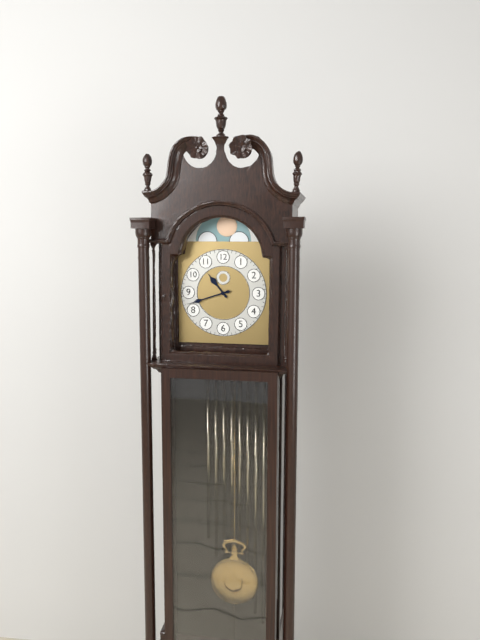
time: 10:42
